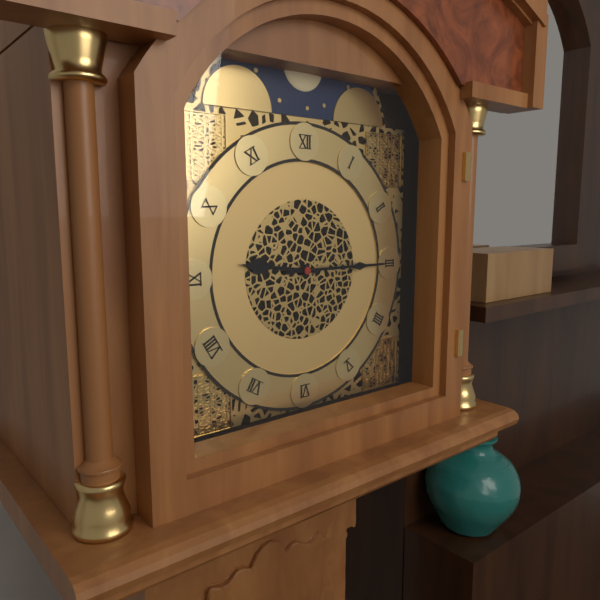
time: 9:15
